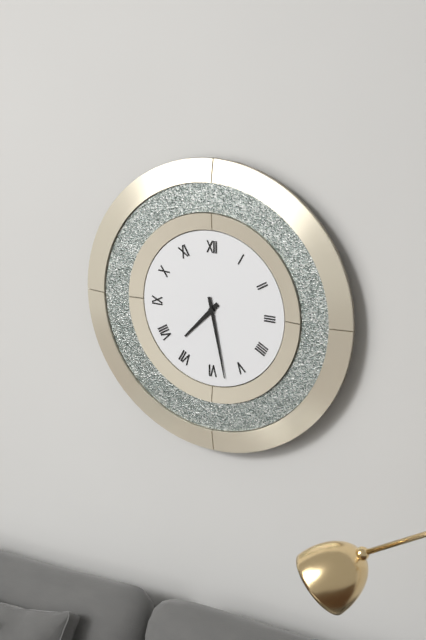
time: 7:28
